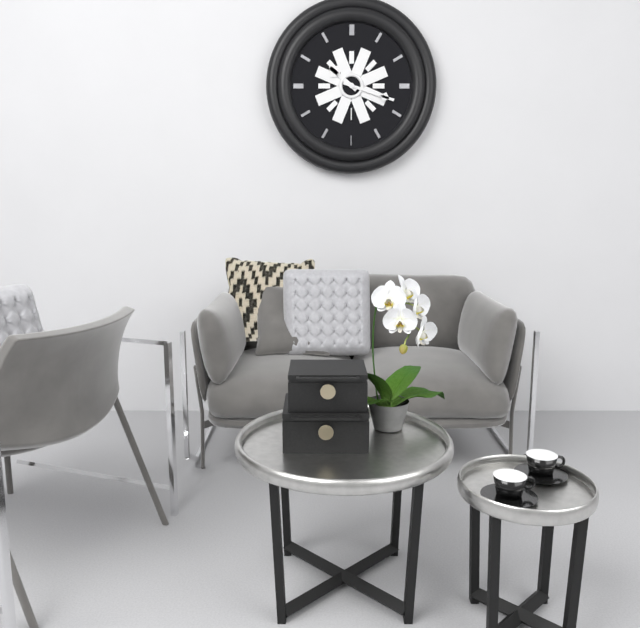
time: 10:18
